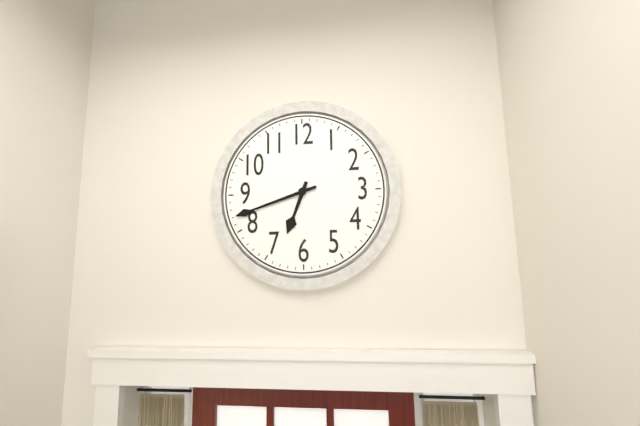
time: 6:42
